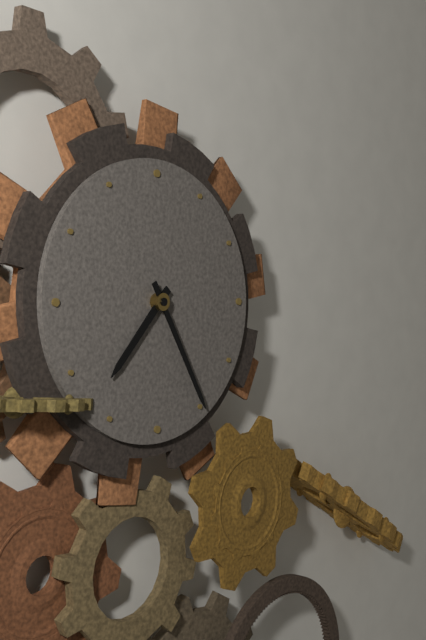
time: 7:25
